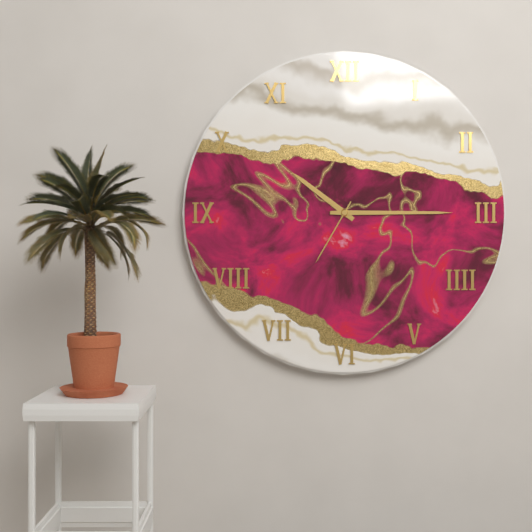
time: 10:15:35
